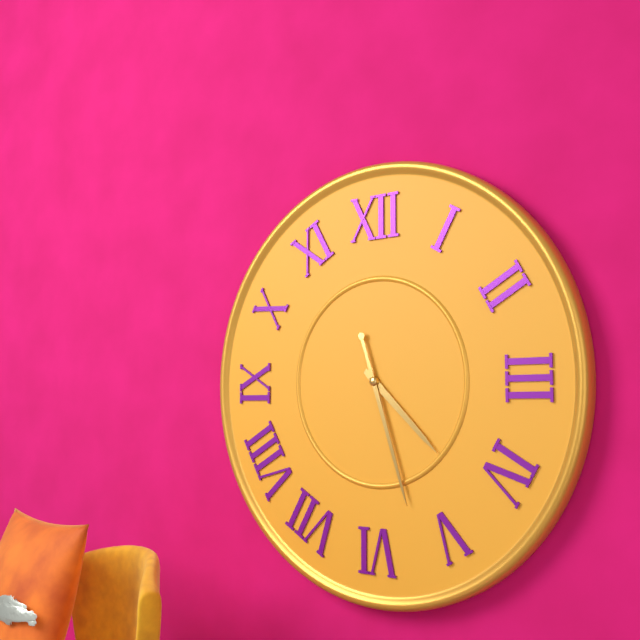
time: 4:27
